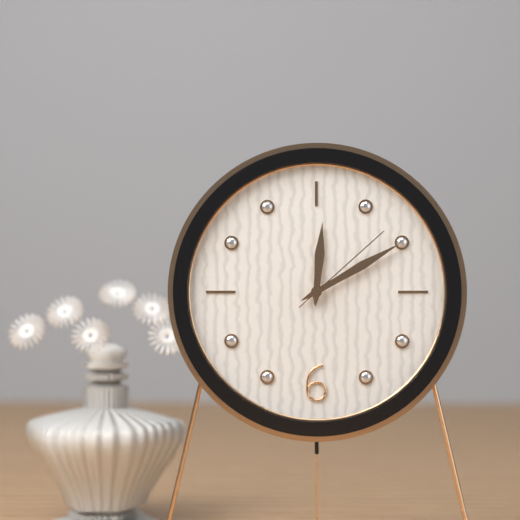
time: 12:10:08
